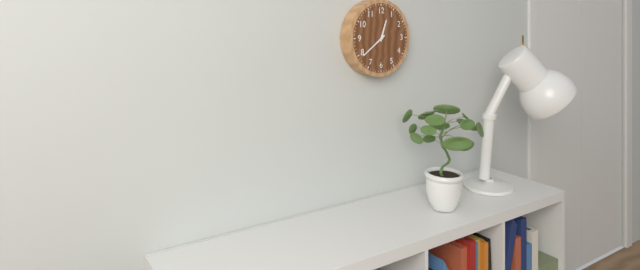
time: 12:39
